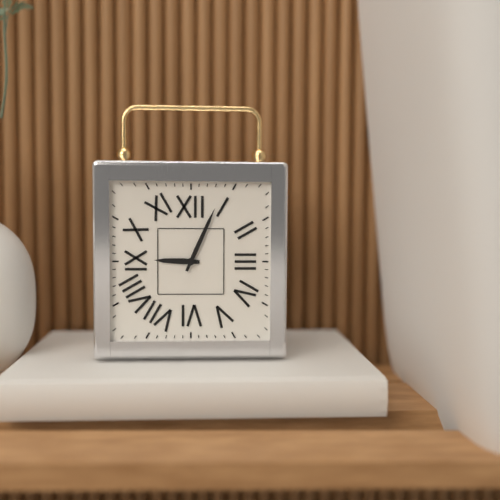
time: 9:04
